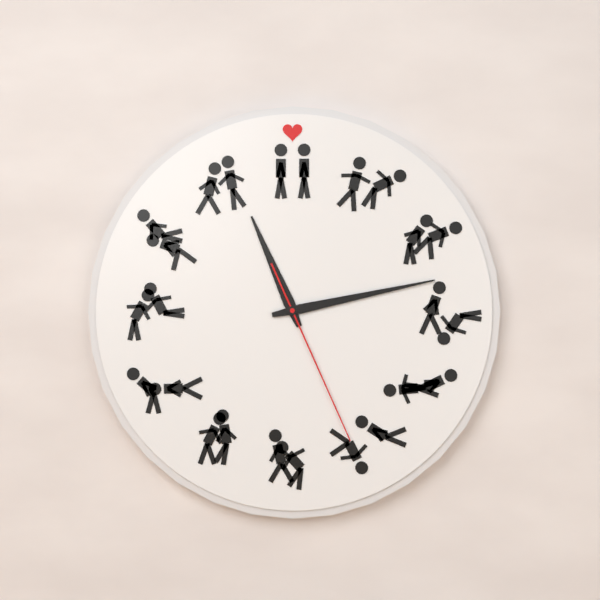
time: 11:13:26
